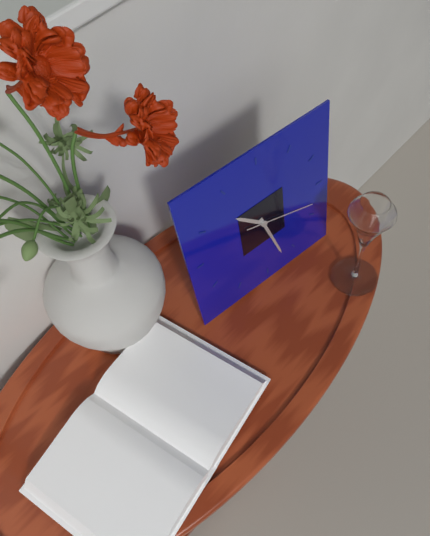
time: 10:27:18
